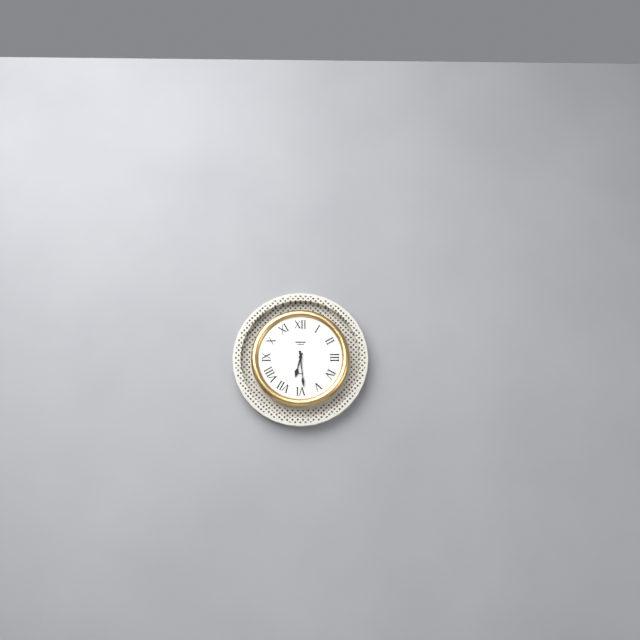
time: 6:29
